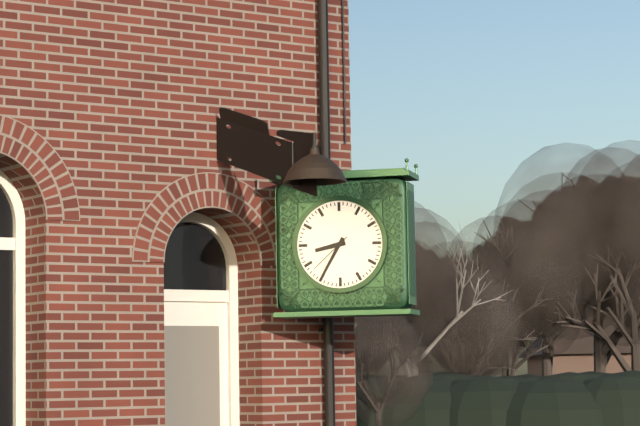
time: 8:35
